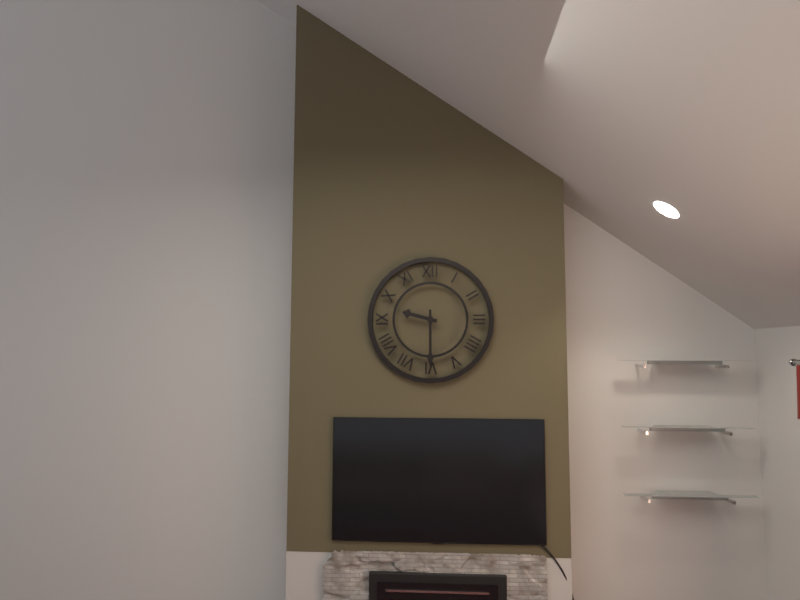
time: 9:30
